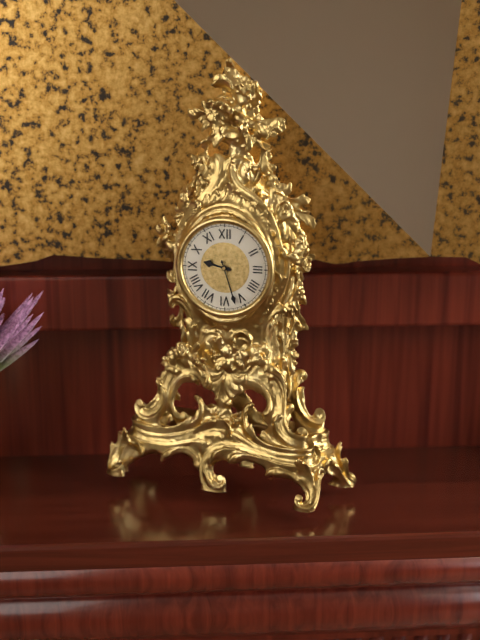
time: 9:27
